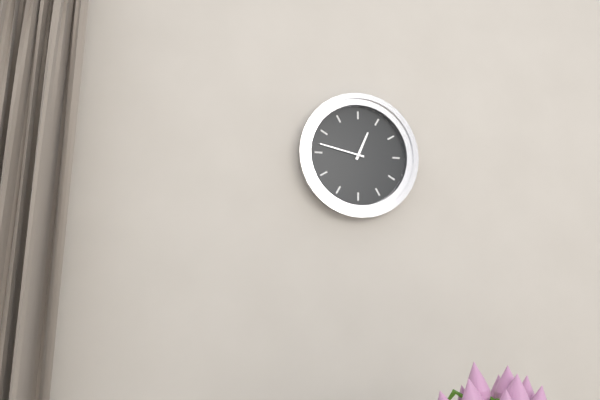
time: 12:47
